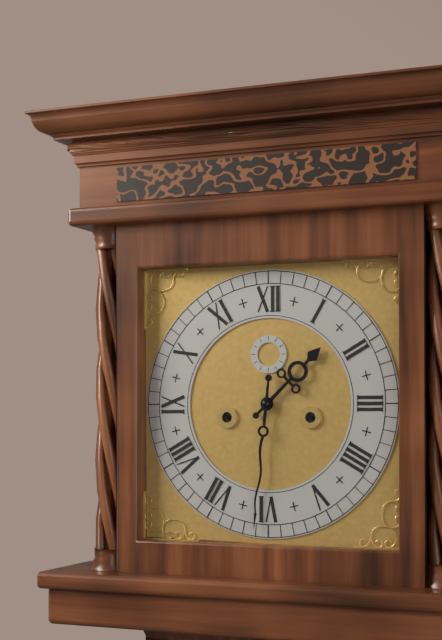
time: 1:31
